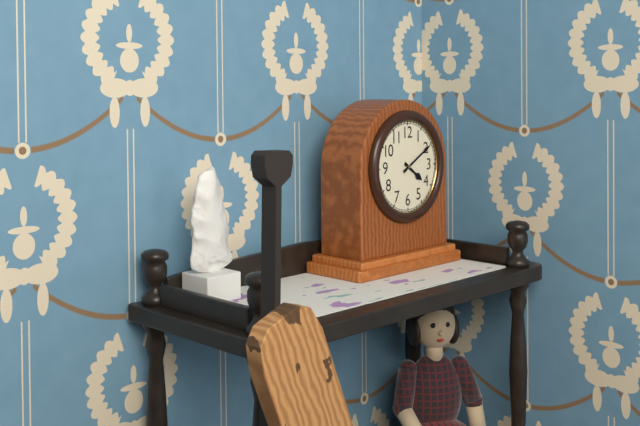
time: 4:10
